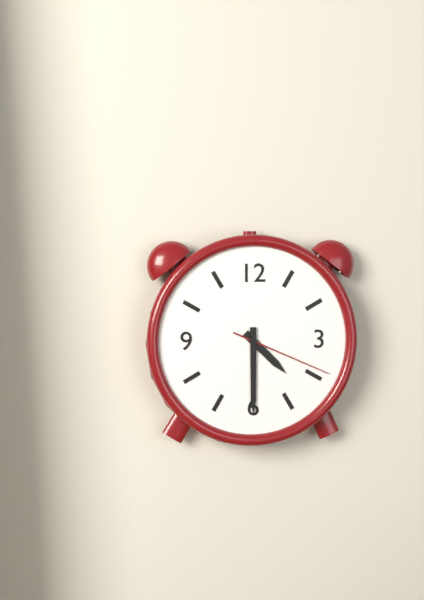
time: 4:30:19
